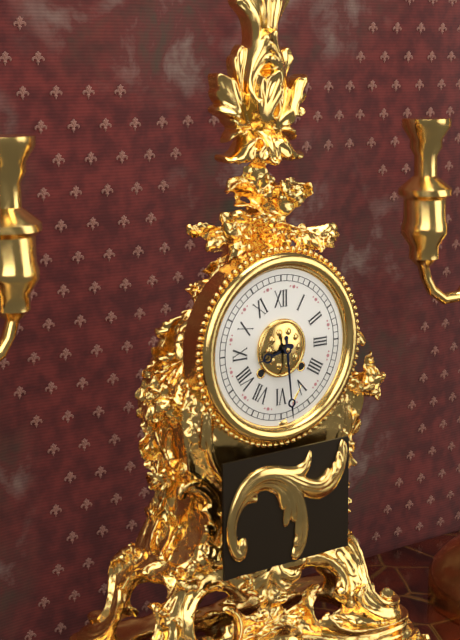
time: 8:29
